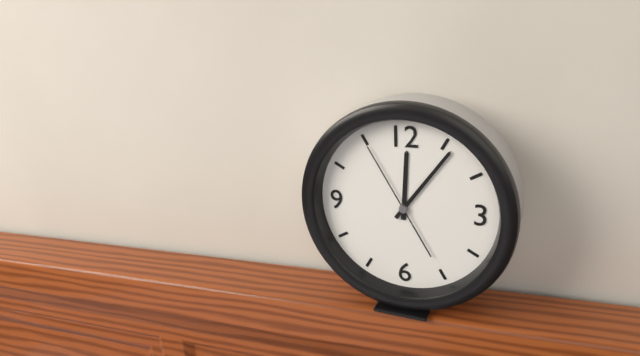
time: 12:06:55
